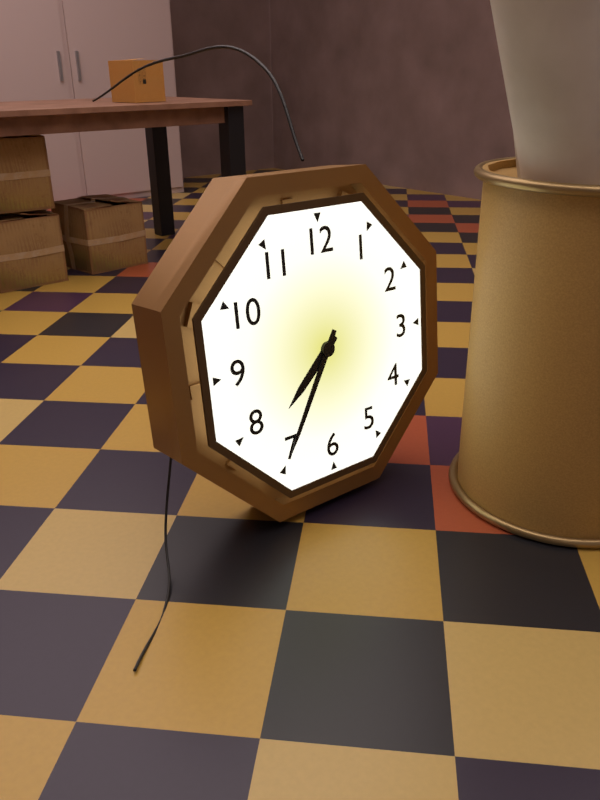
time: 7:35
